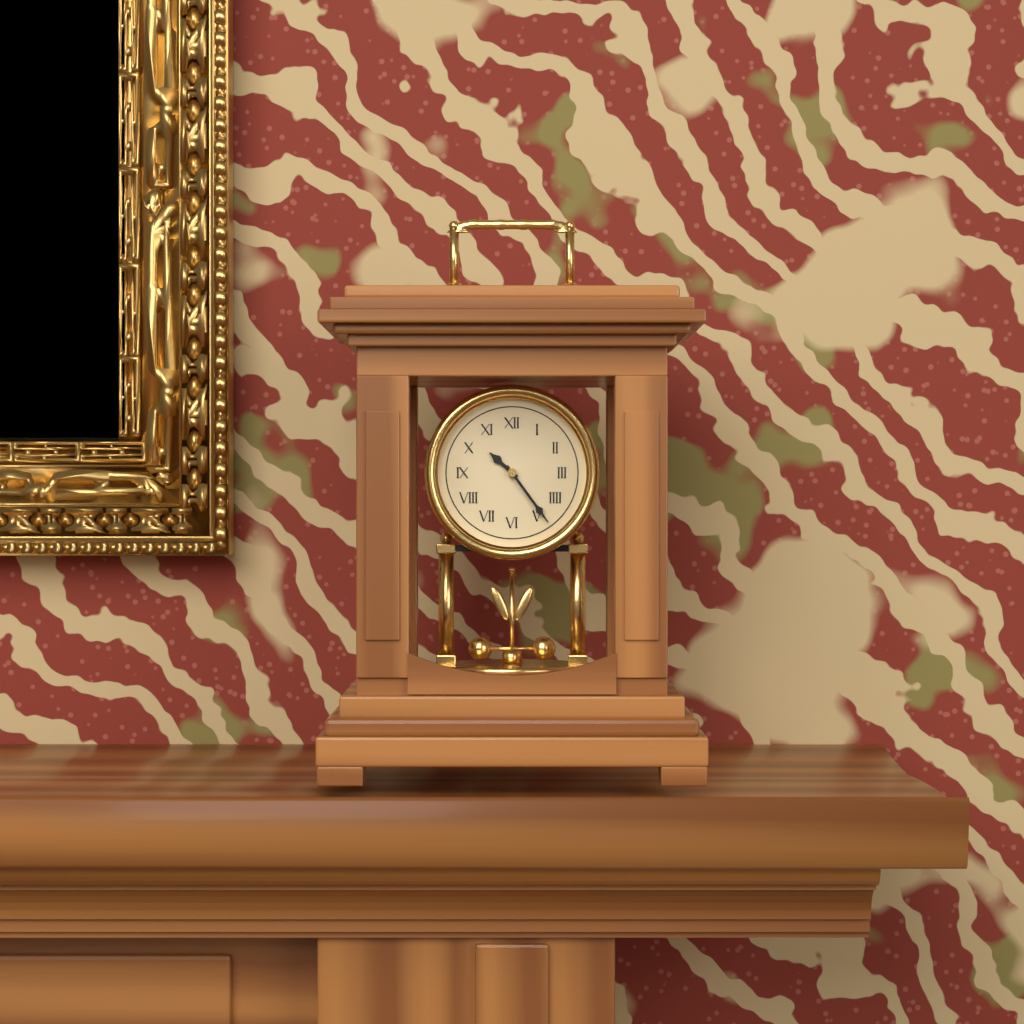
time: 10:24
